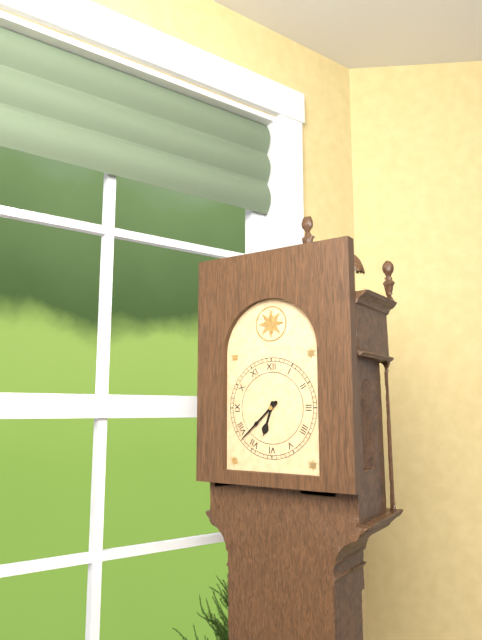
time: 6:38
